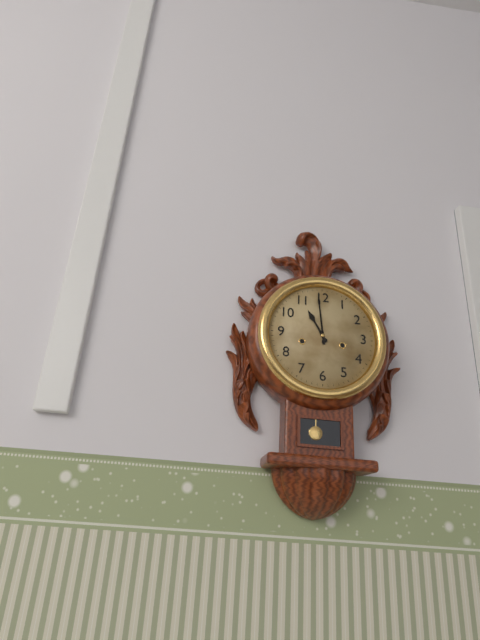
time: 10:59
